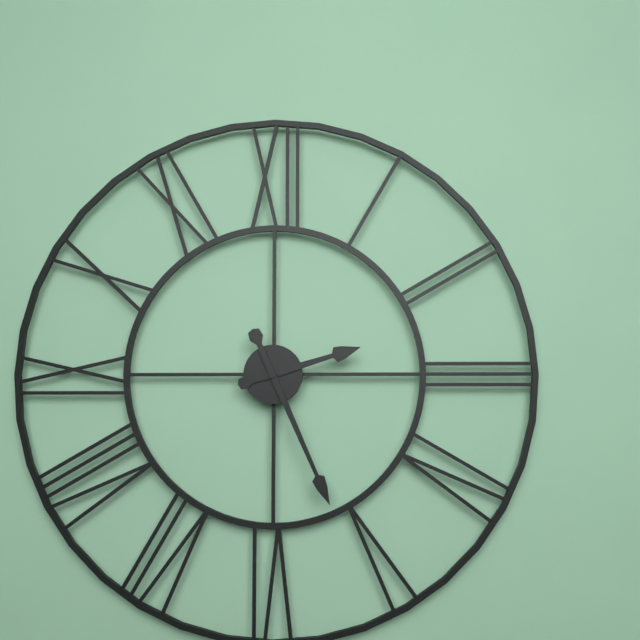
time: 2:26
